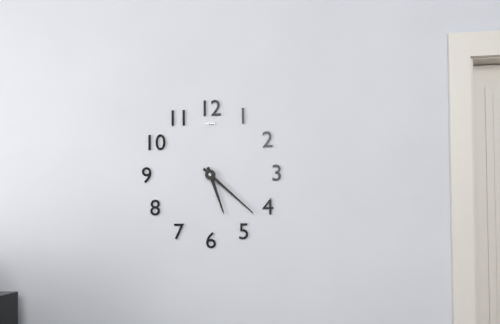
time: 5:22
